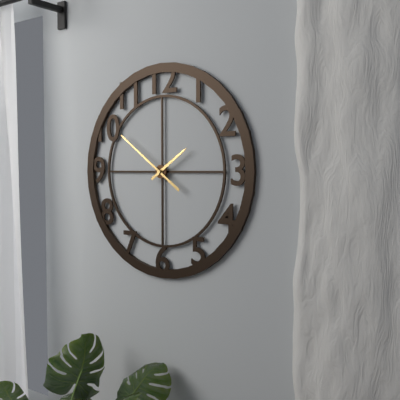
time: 1:51
